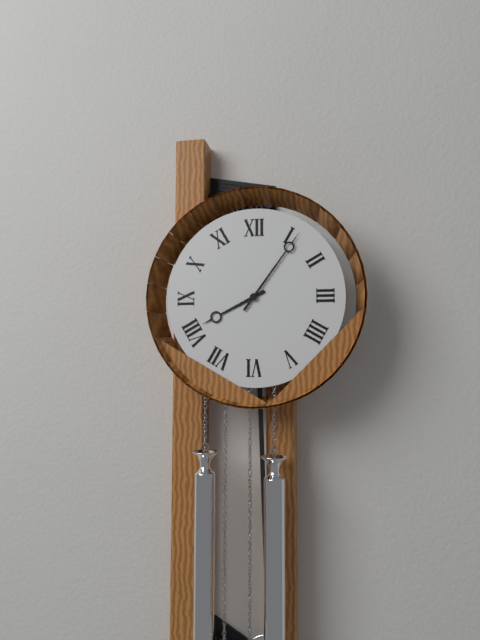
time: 8:06
